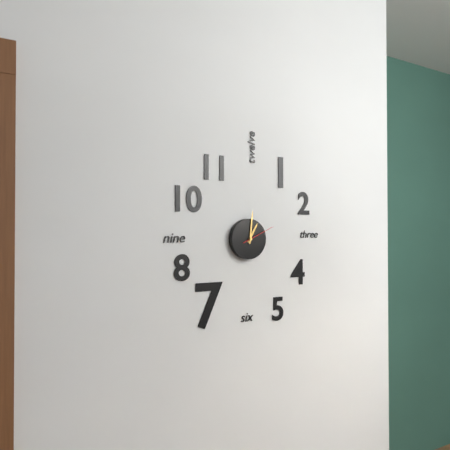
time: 1:01
